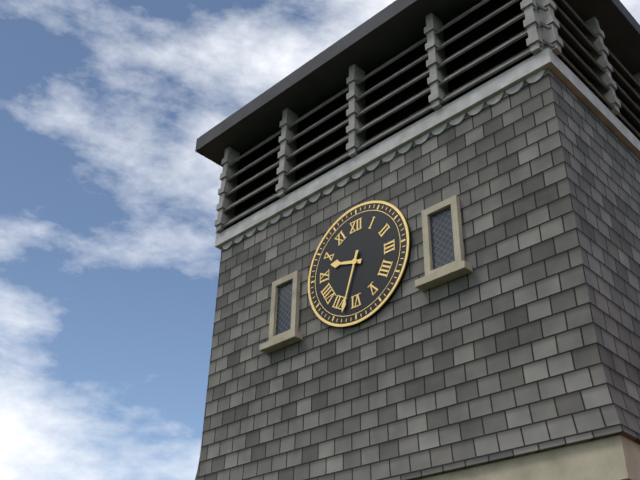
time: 9:33
